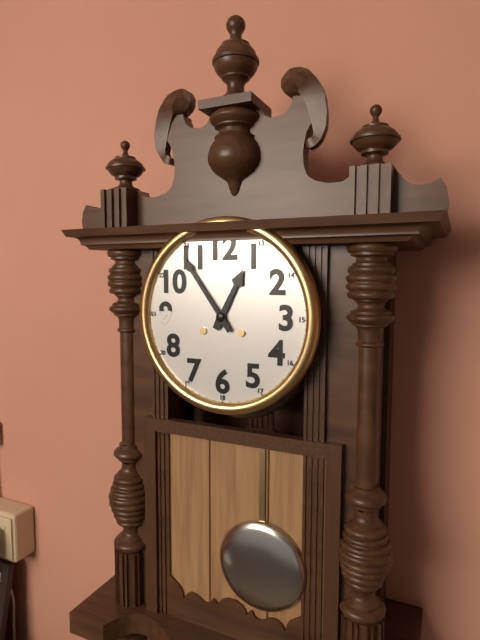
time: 12:54
